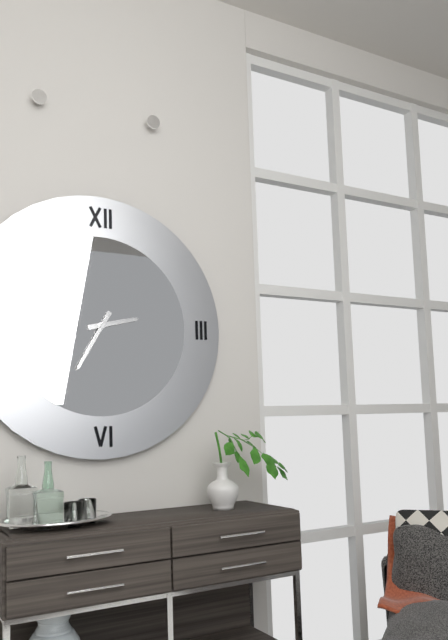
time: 2:35
